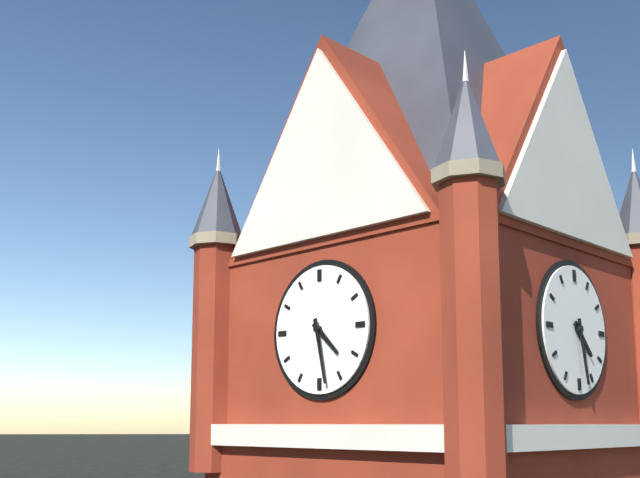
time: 4:28
